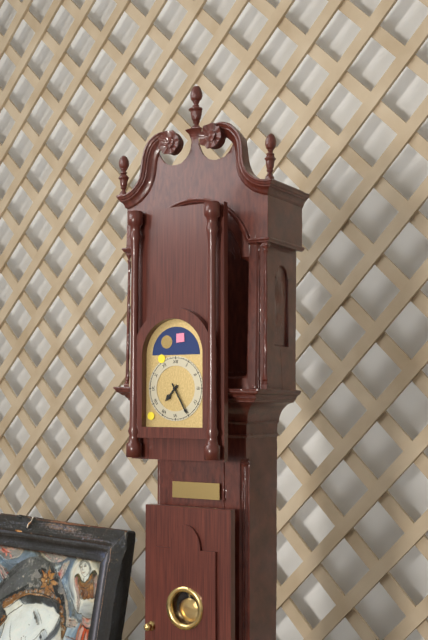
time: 7:25
